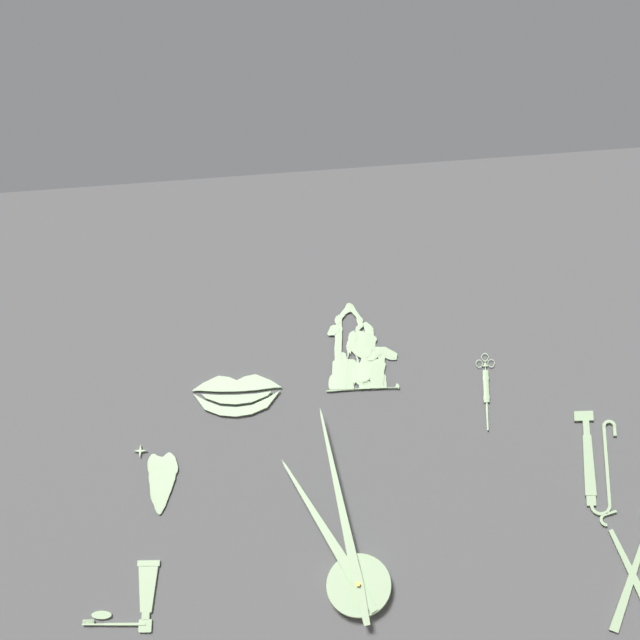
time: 10:58
